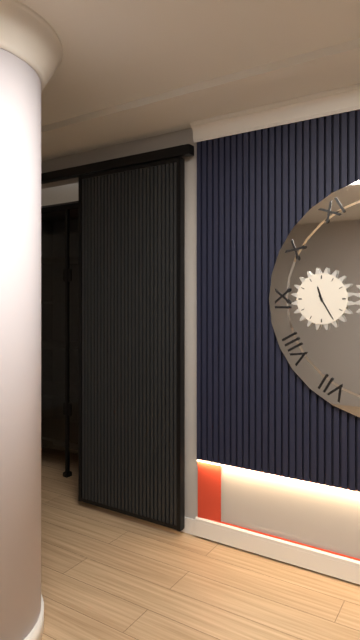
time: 11:25
